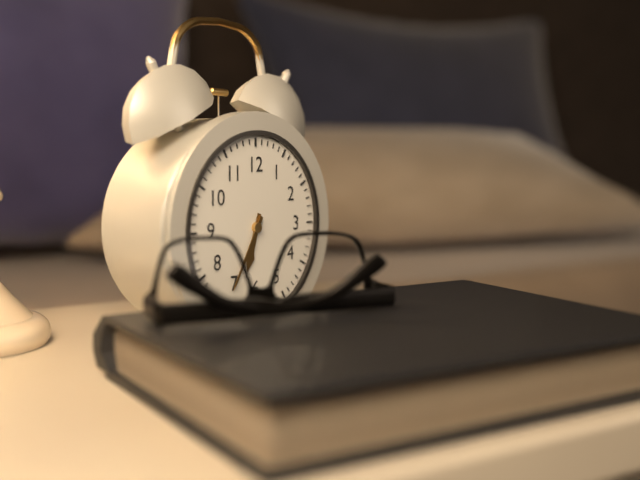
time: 6:35
